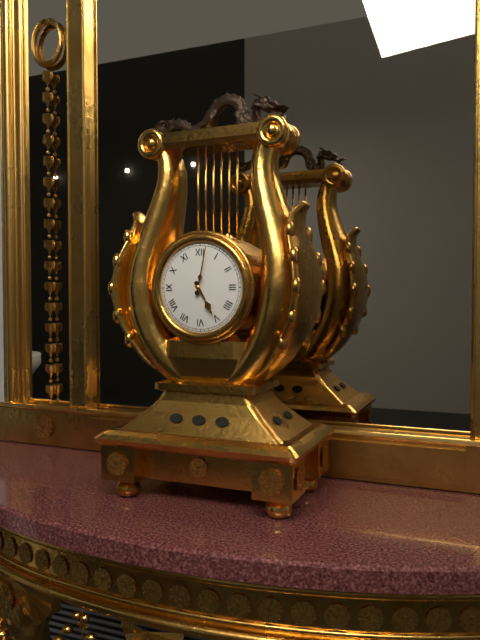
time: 5:02
